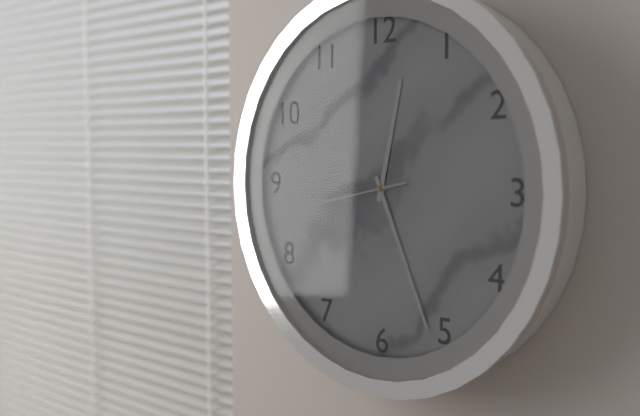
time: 12:26:43
